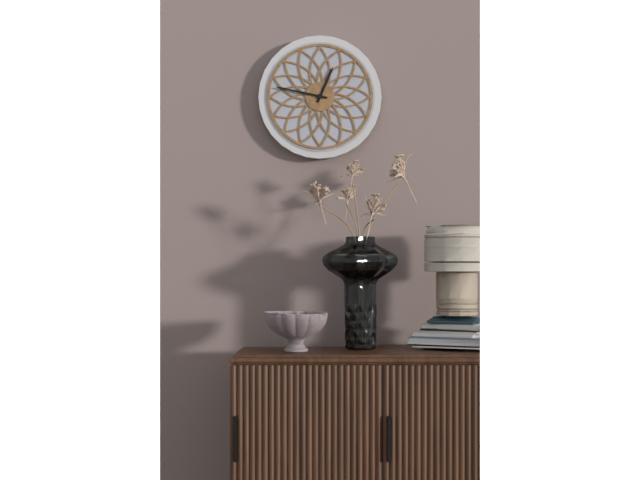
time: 12:47
